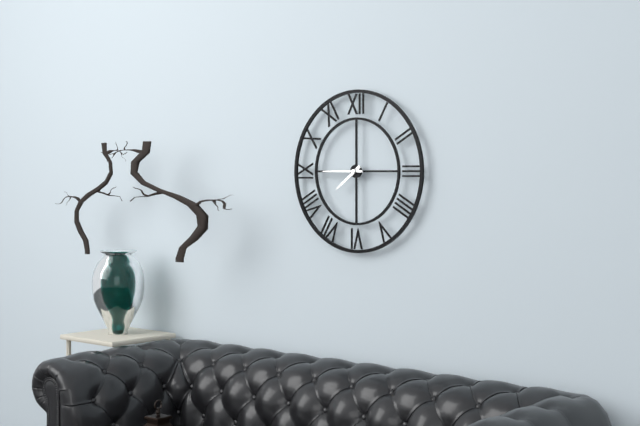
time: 7:45
